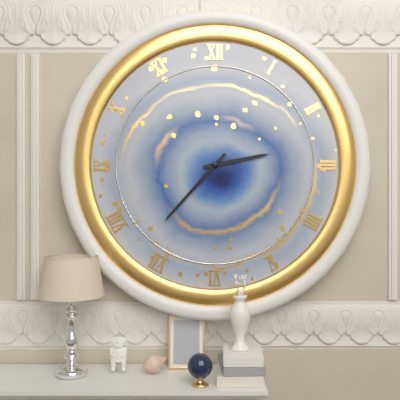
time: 2:37
